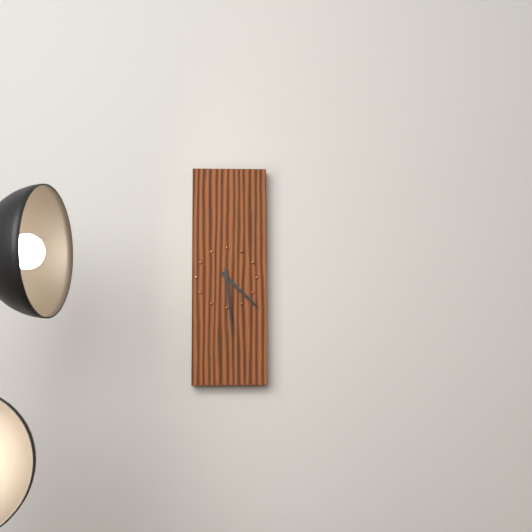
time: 4:29
